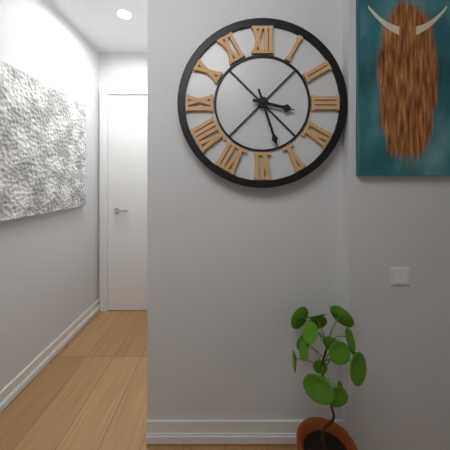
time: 3:27
